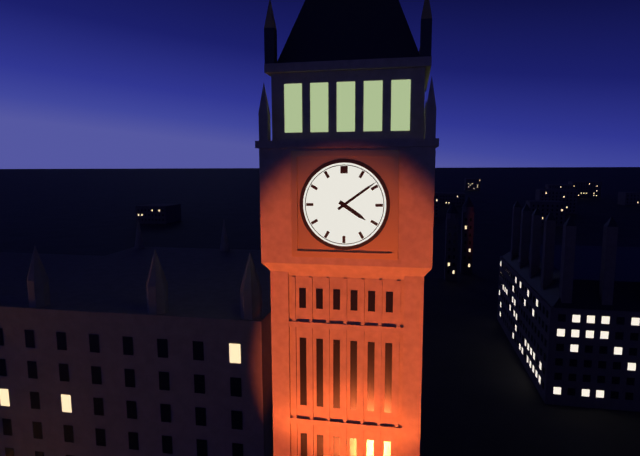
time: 4:09
